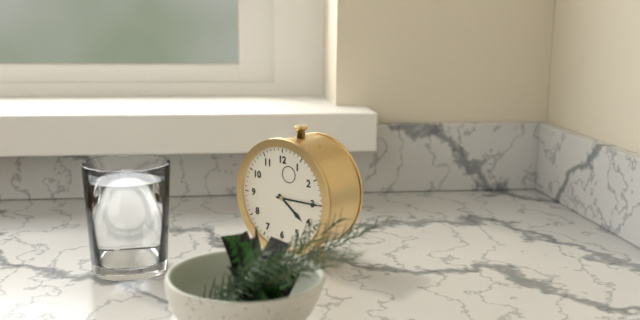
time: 4:15
